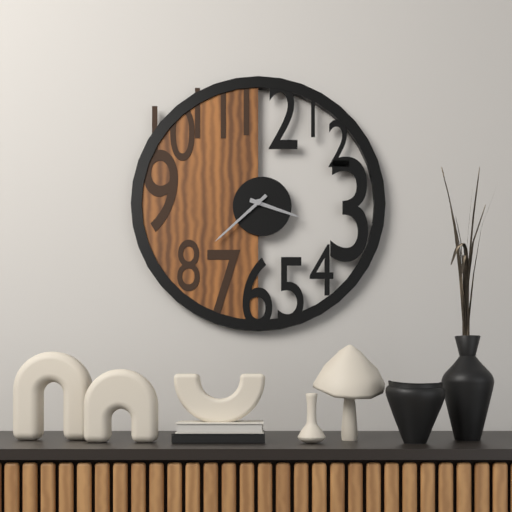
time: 3:38
